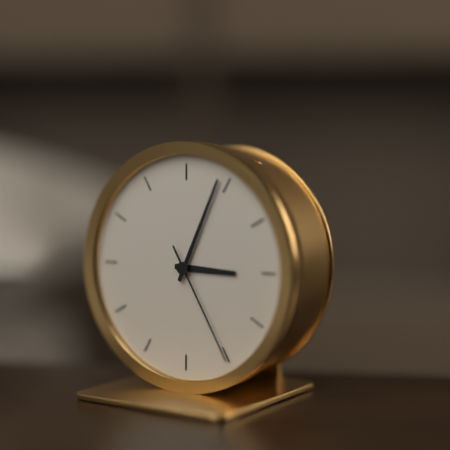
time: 3:04:25
